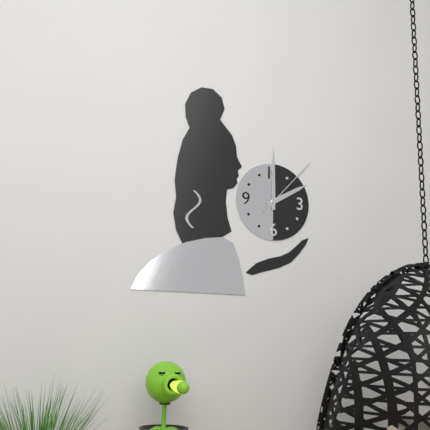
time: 2:00:07
